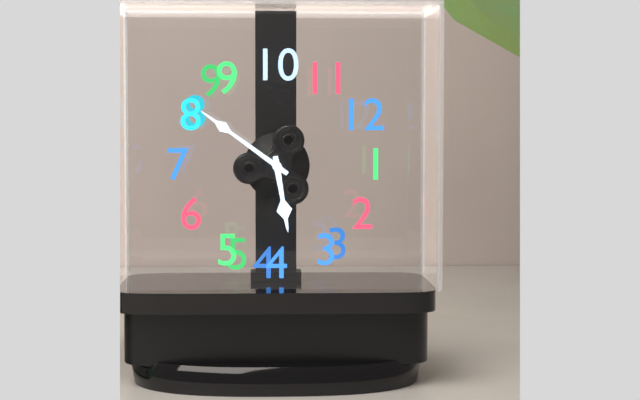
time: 3:41
